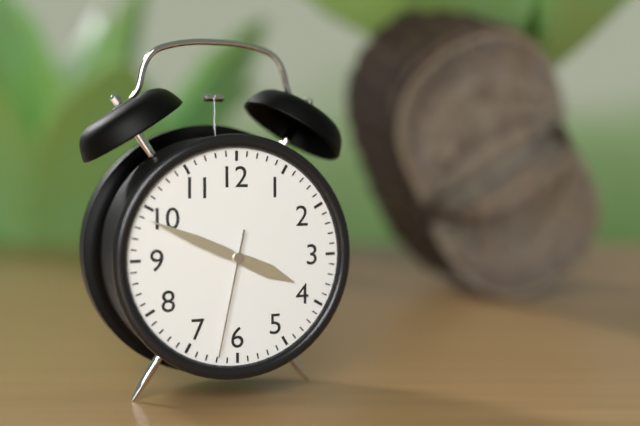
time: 3:49:32
